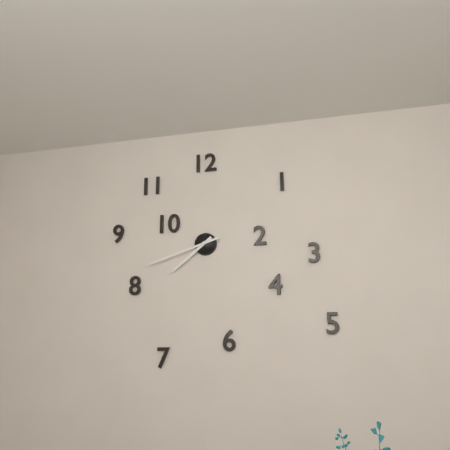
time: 7:42
